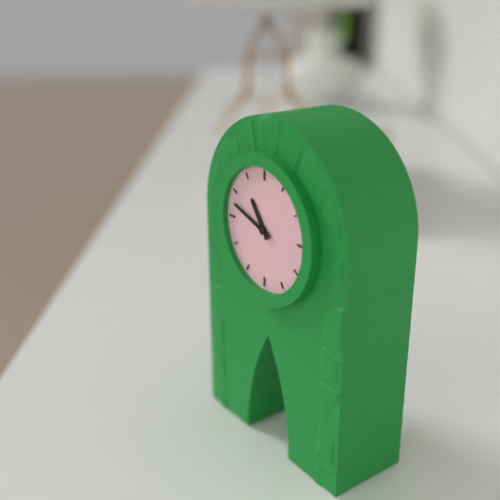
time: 10:48
